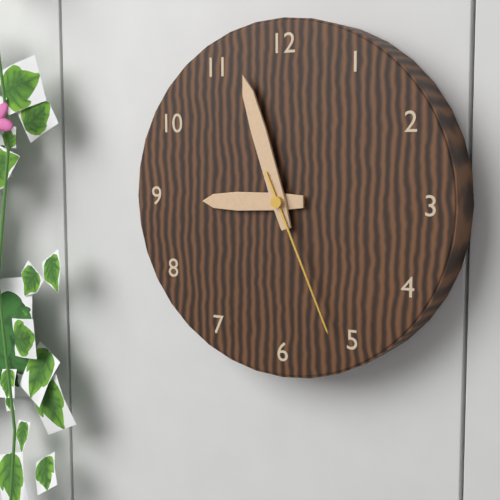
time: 8:57:26
